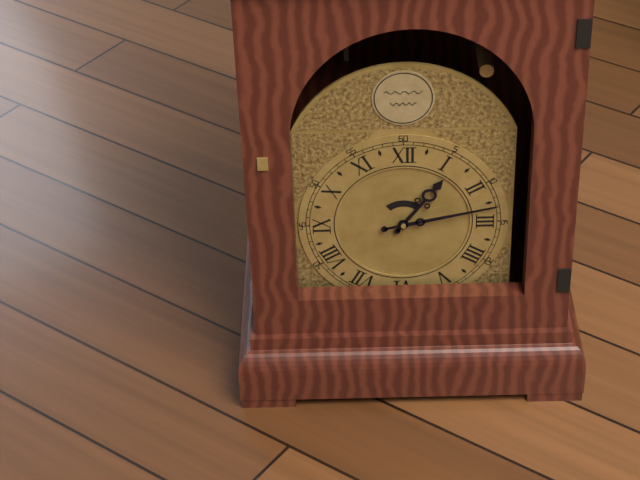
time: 1:13
